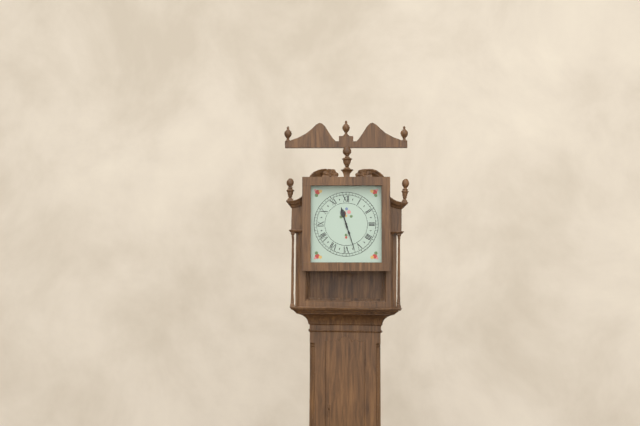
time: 11:27
